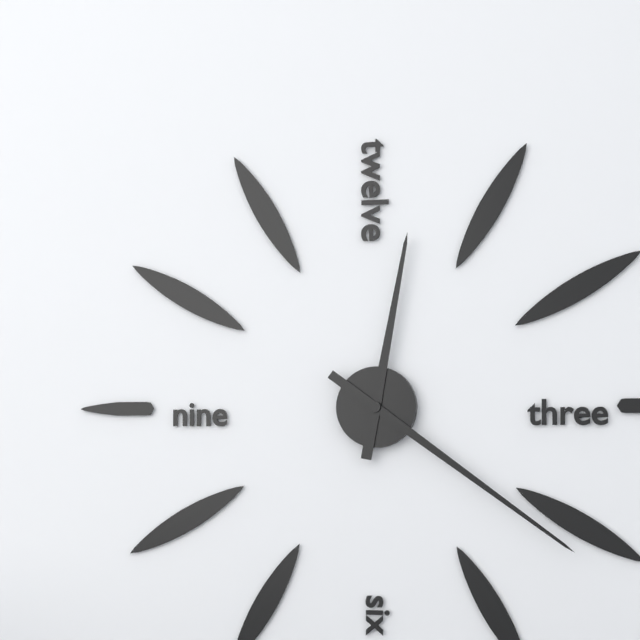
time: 12:21
